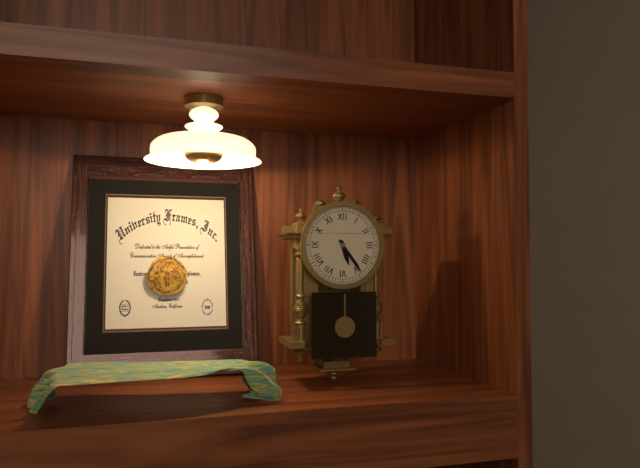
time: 5:24
